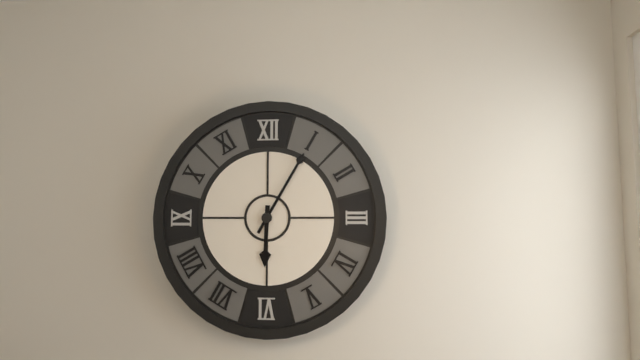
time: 6:05
